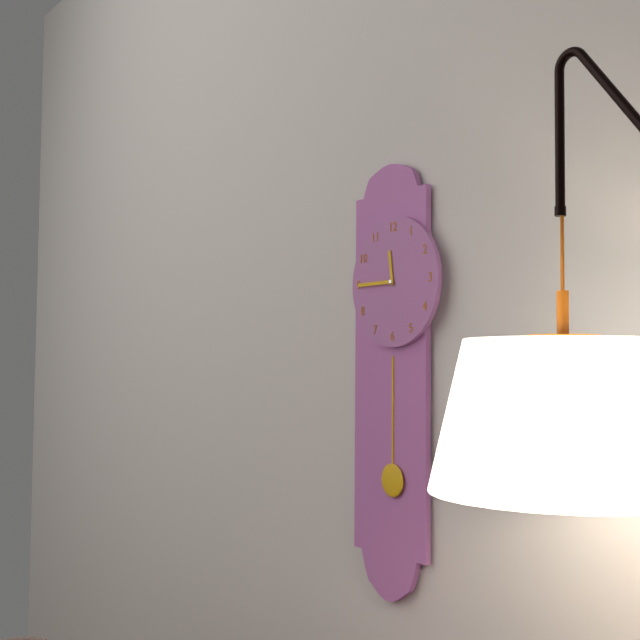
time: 11:45
